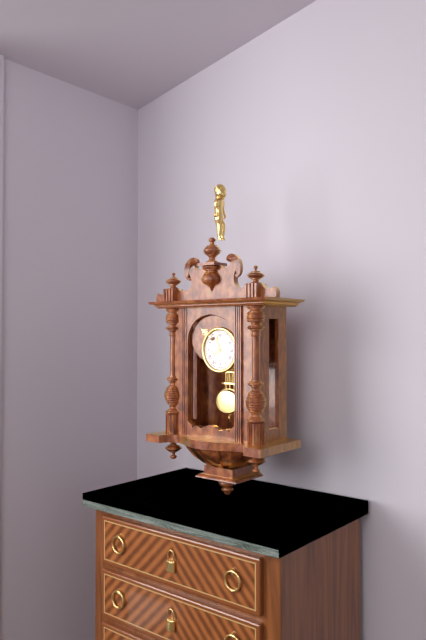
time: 7:57
